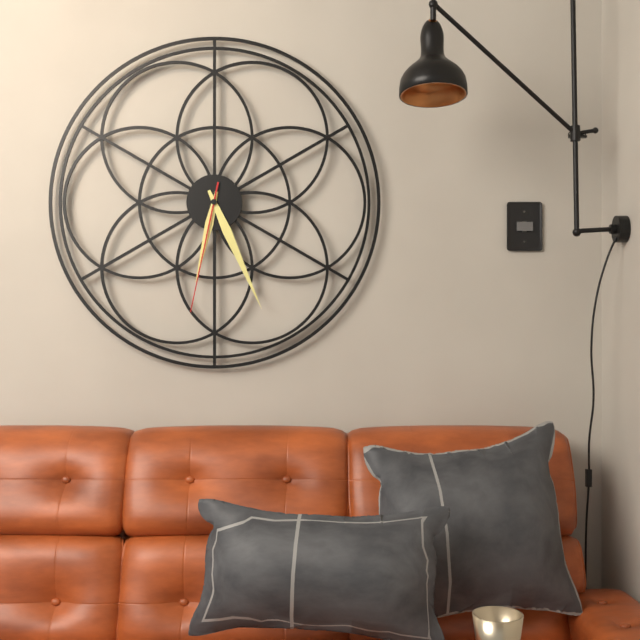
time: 6:26:32
